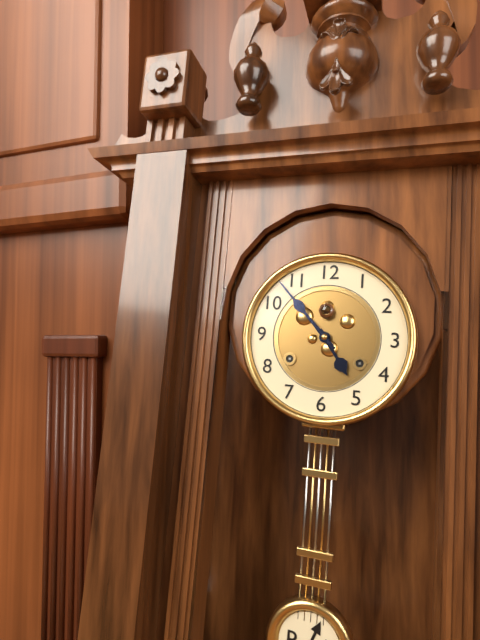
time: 4:53
